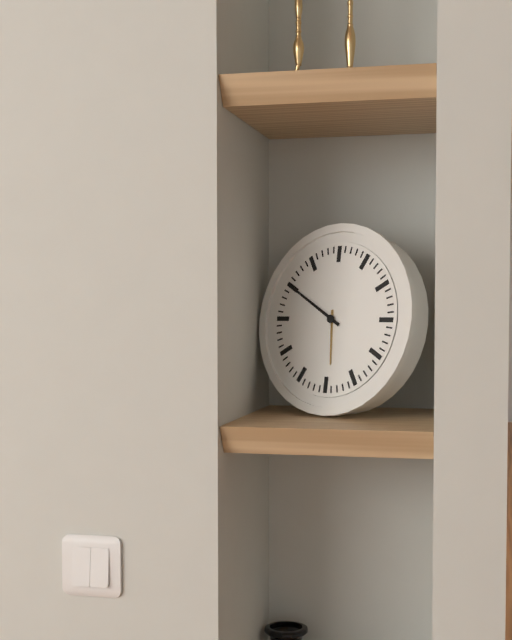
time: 5:50
